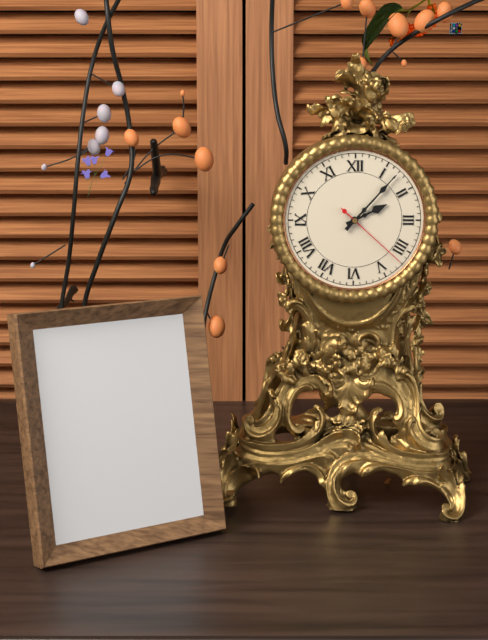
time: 2:07:22
